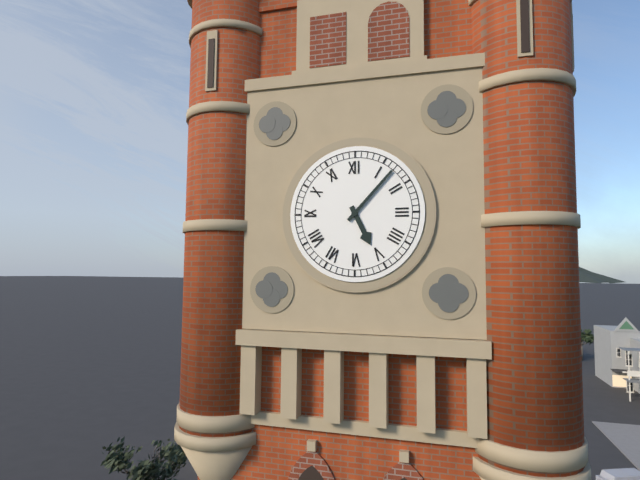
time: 5:07
